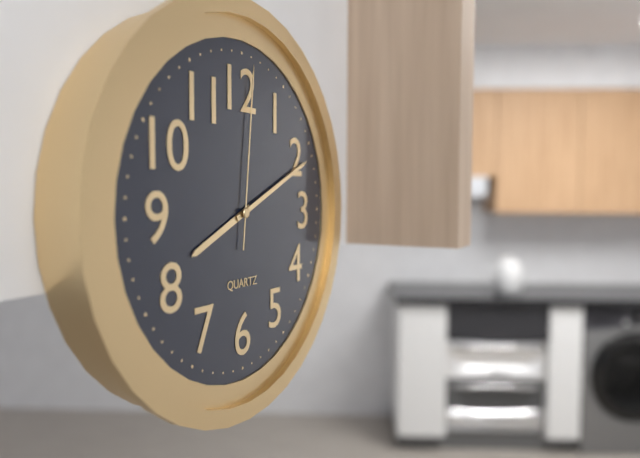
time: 8:11:01
